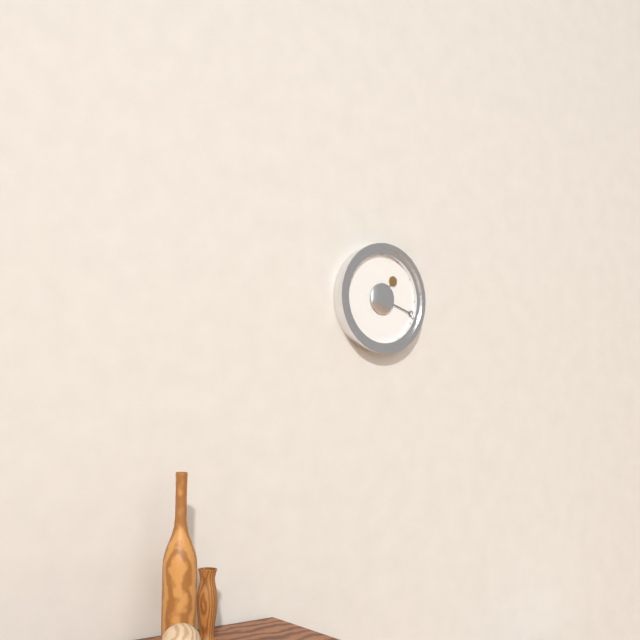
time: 1:18
